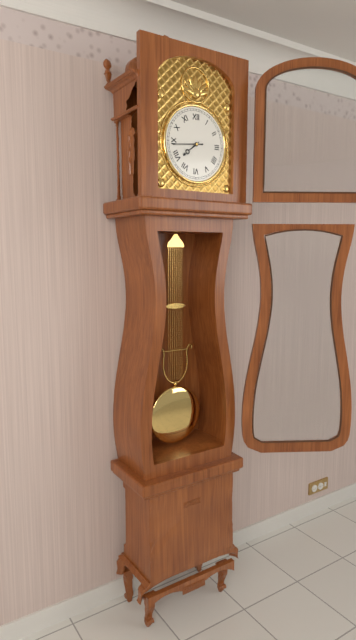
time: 7:44
